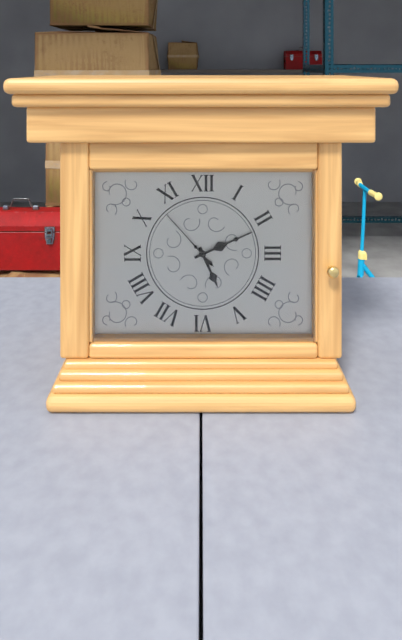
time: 5:11:53
